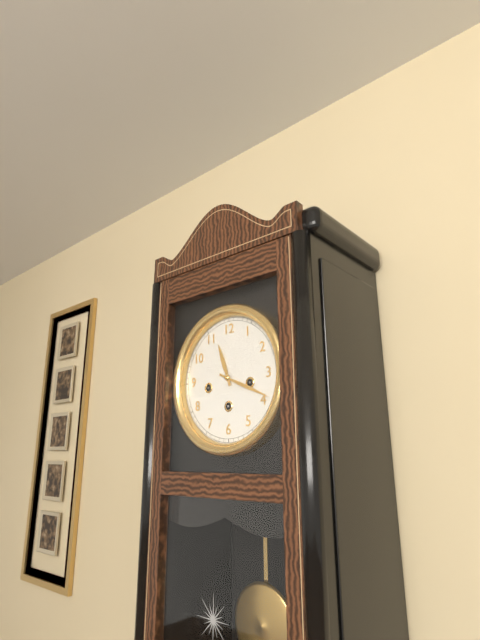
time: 11:19
